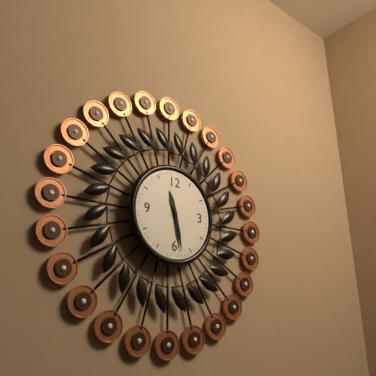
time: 11:28
